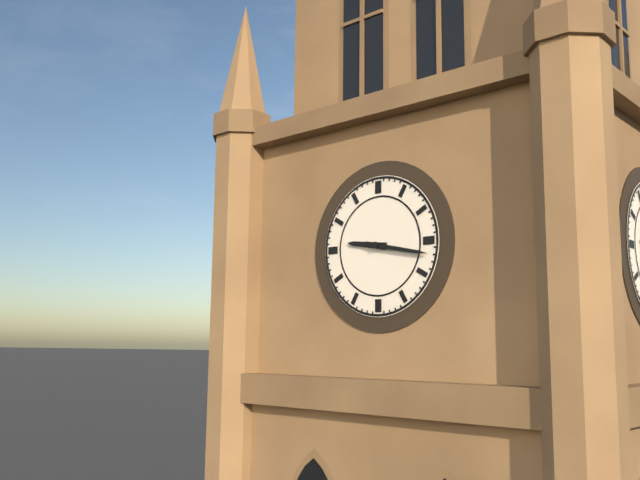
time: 9:17
